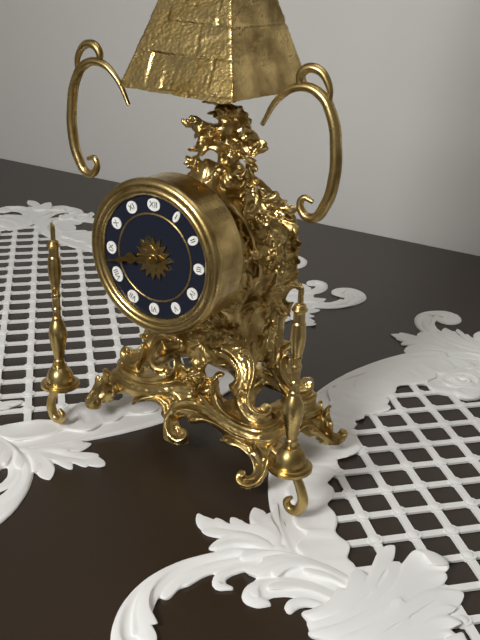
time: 8:43
